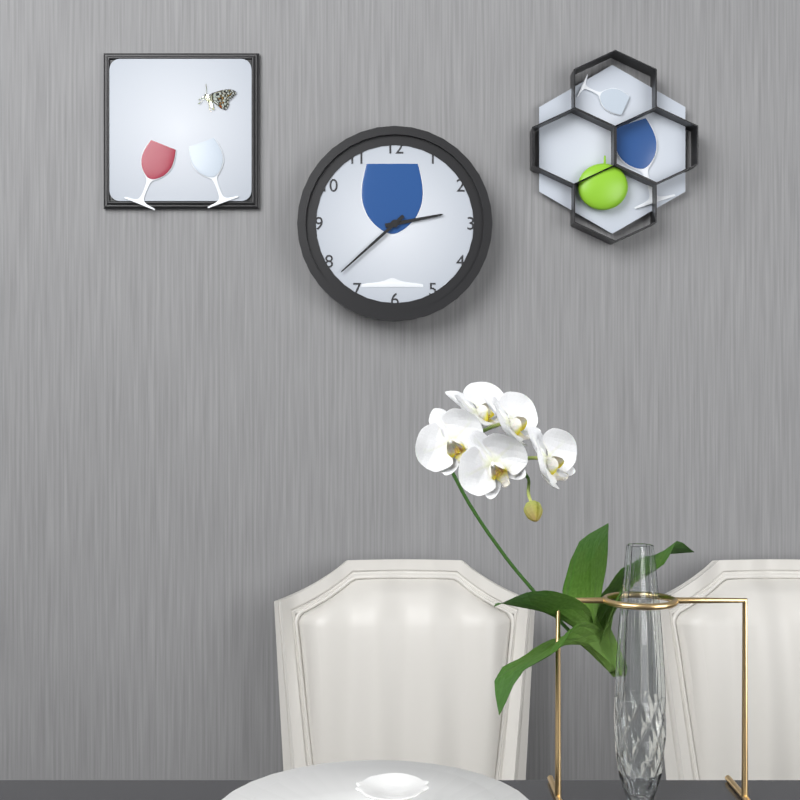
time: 2:38
